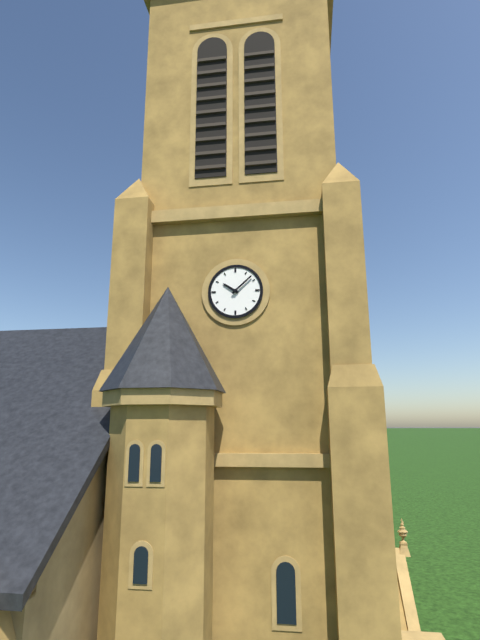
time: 10:08
